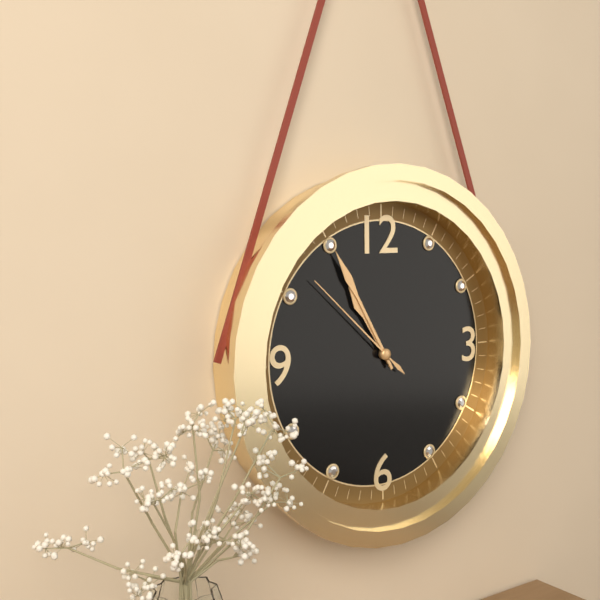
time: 10:55:52
